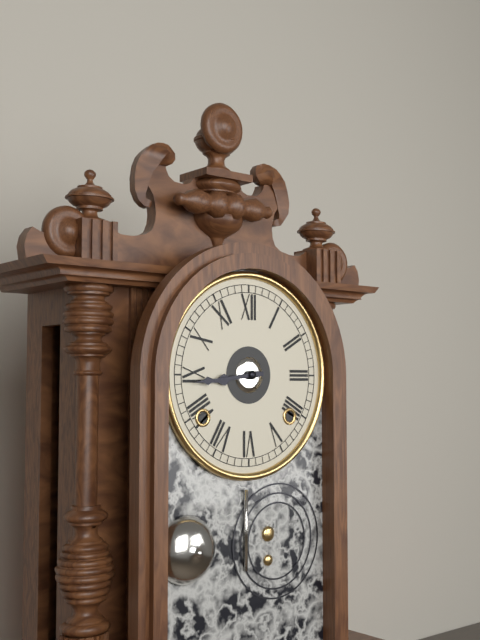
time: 8:44
